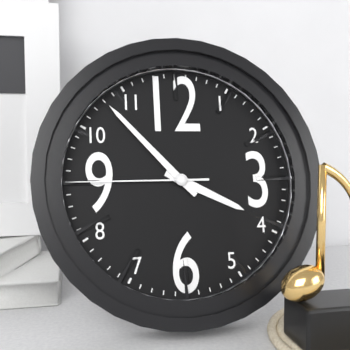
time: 3:53:45
